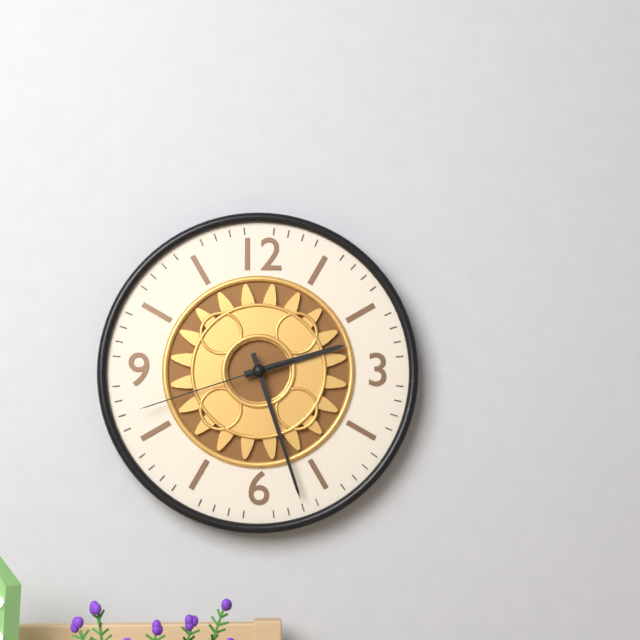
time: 2:27:42
